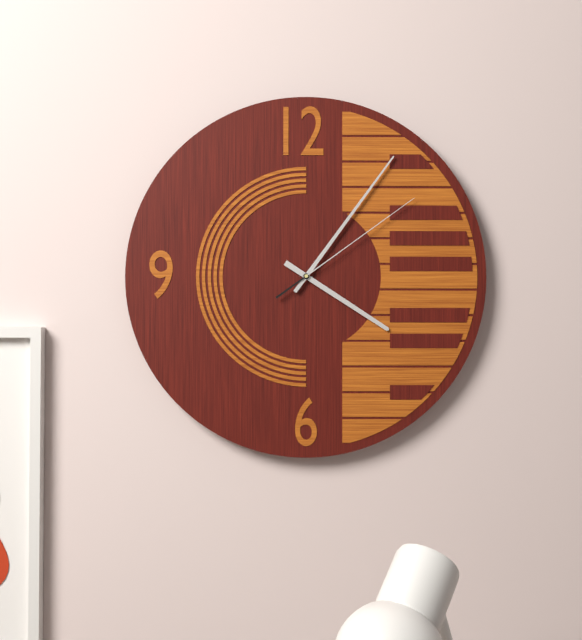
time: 4:06:09
